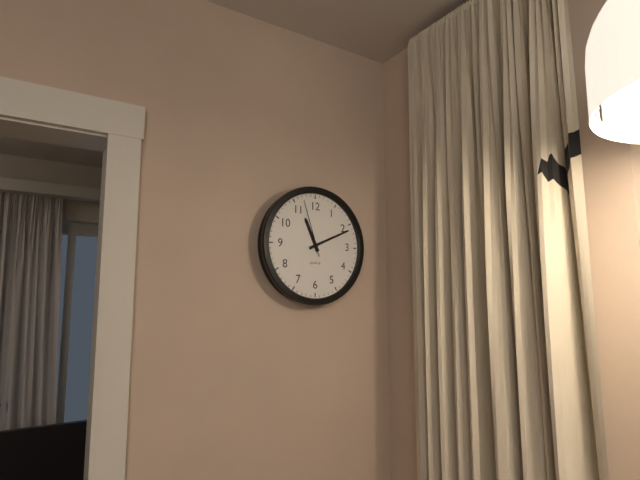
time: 11:11:57
